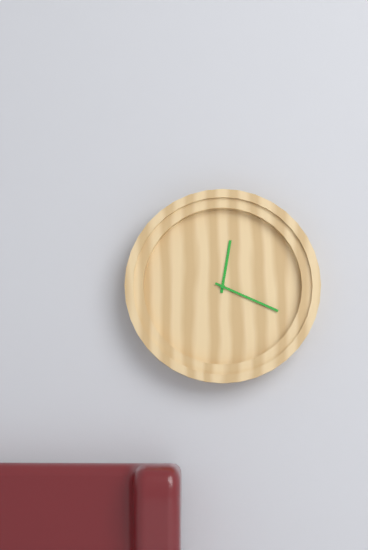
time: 12:19
